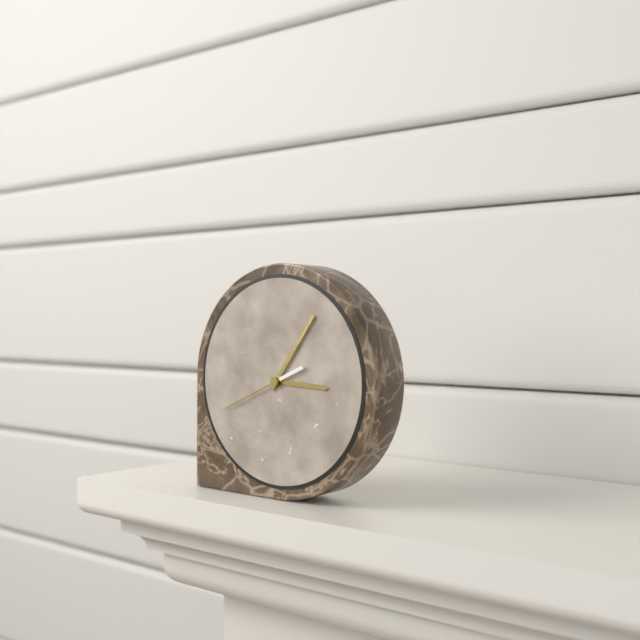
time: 3:06:41
